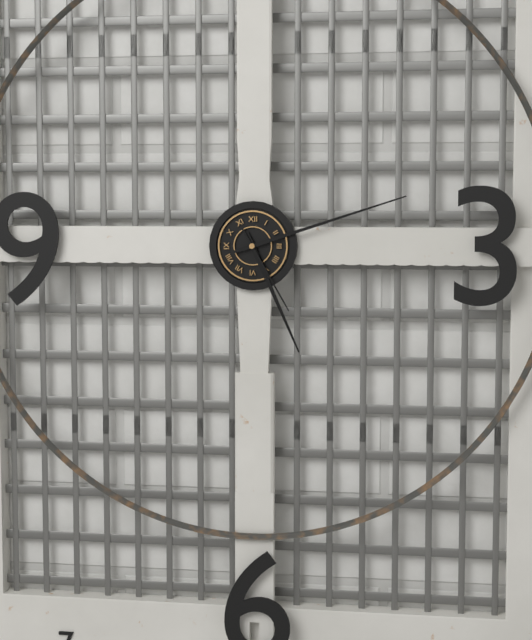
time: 5:12:25
